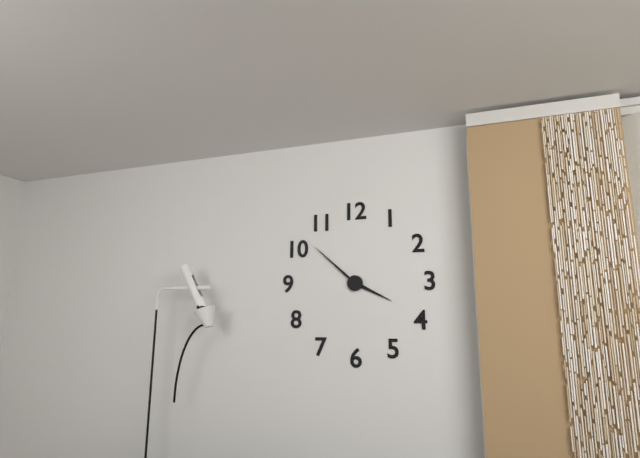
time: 3:52
